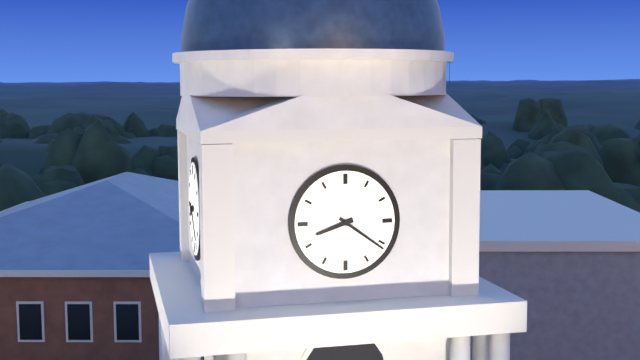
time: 8:21
